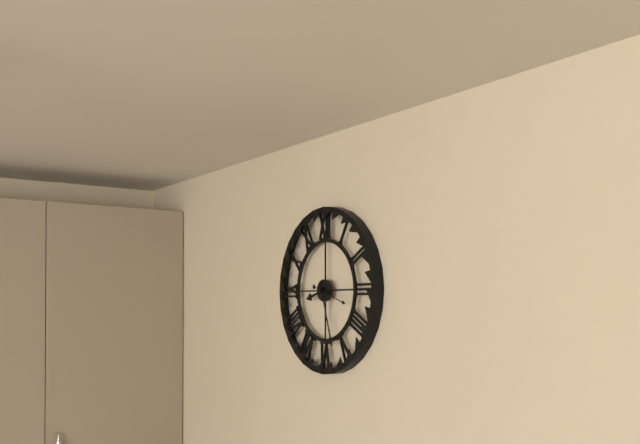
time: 8:27
